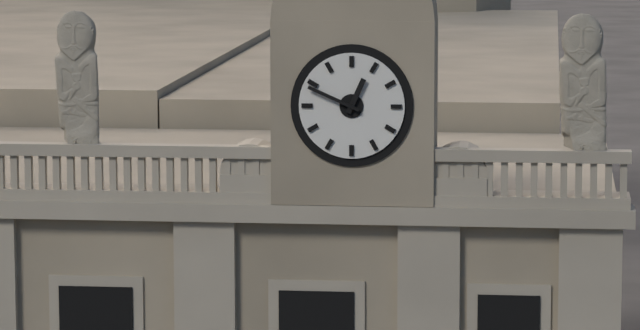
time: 12:49
